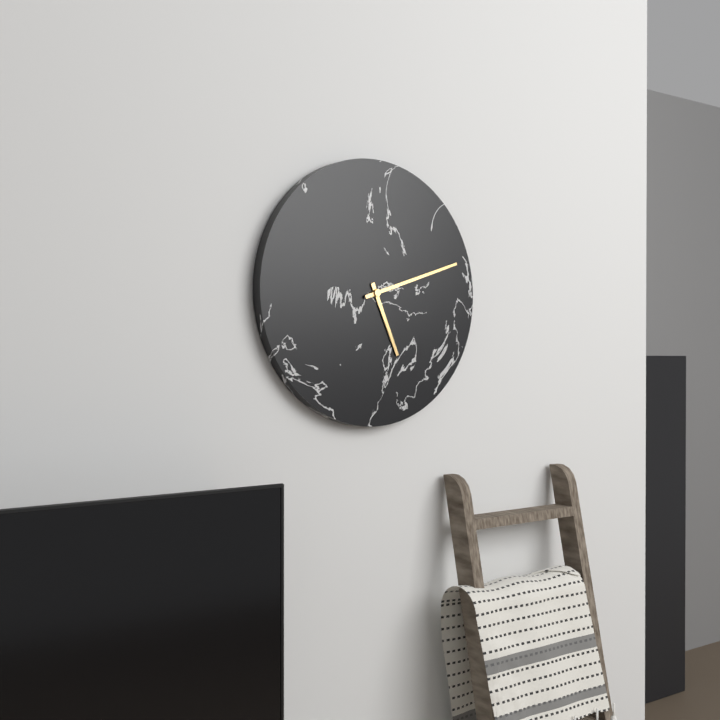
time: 5:12
